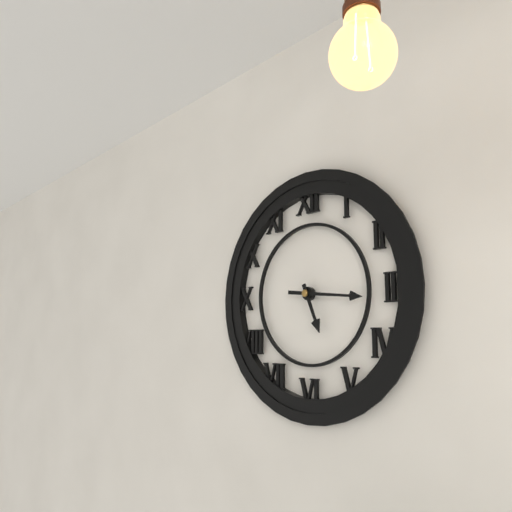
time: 5:16
